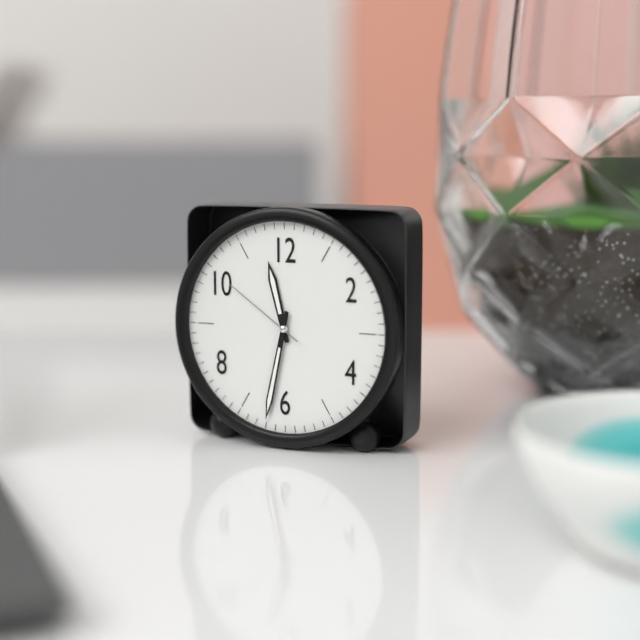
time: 11:32:51
